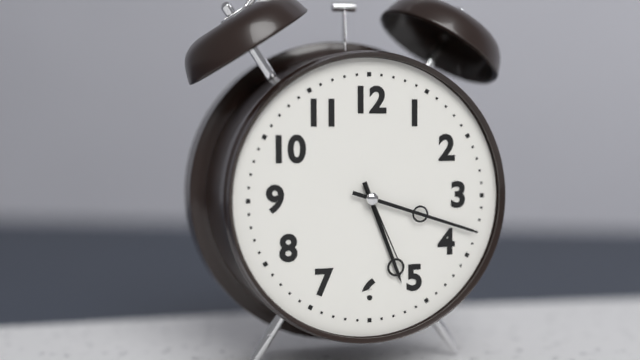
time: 5:18:26
